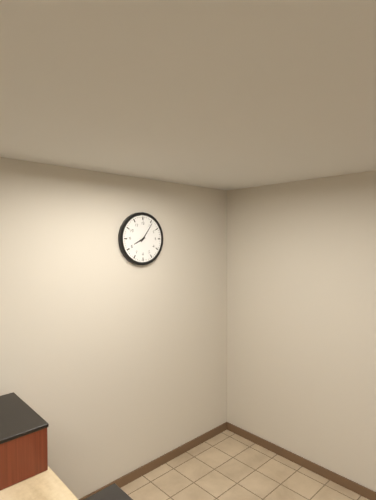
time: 8:06
